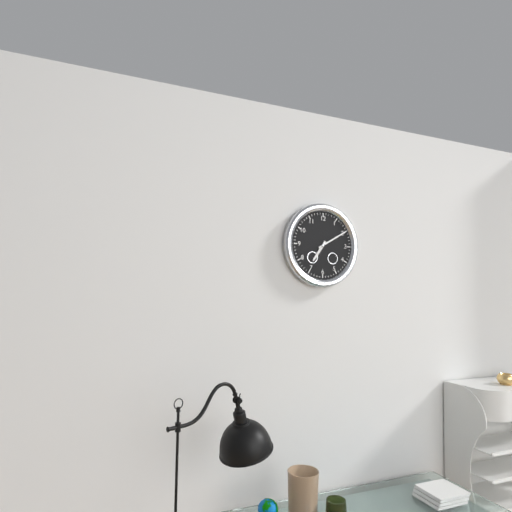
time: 7:10
